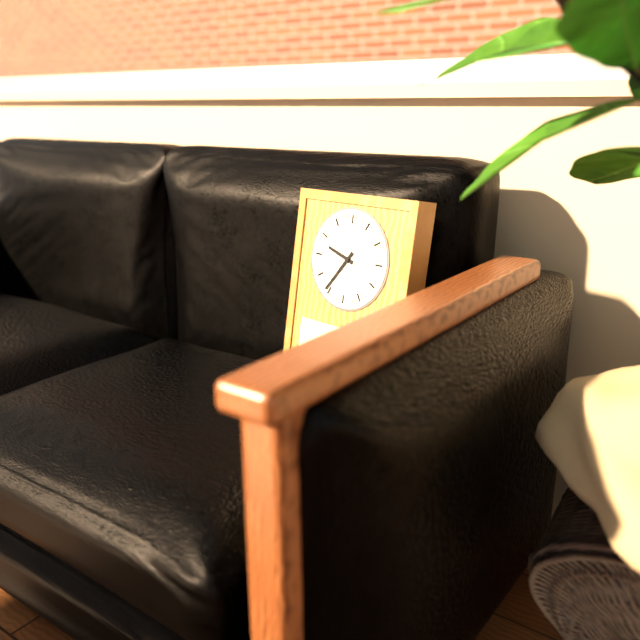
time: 9:36
